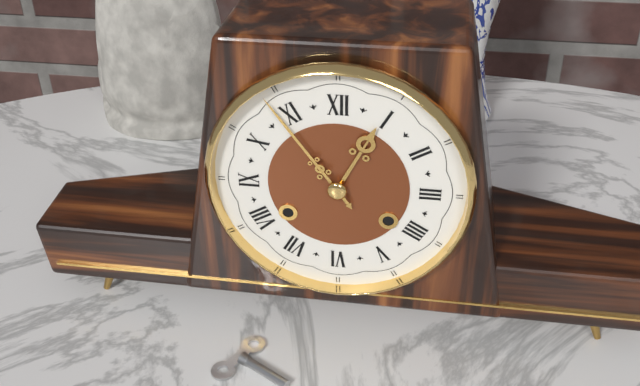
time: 12:54
